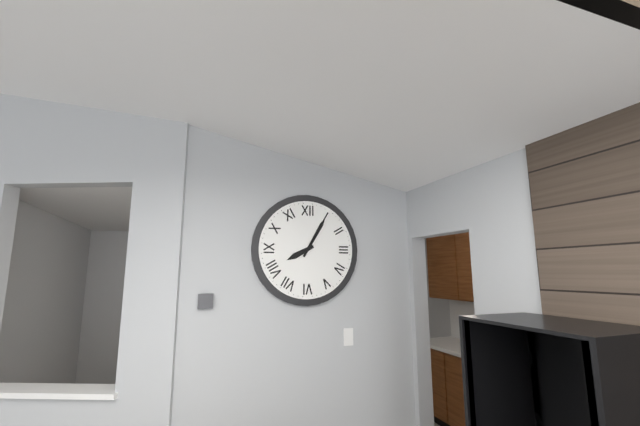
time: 8:05
